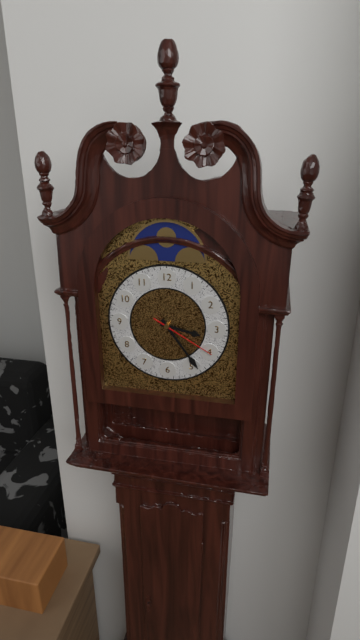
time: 3:24:20
